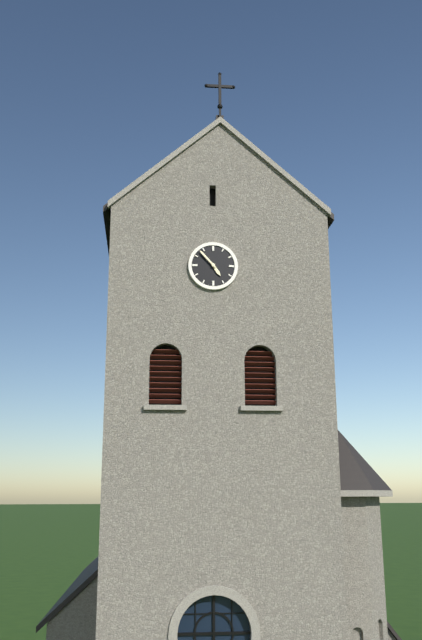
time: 4:53
